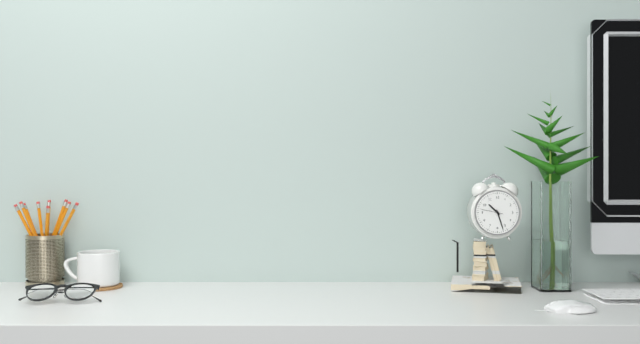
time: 10:27
